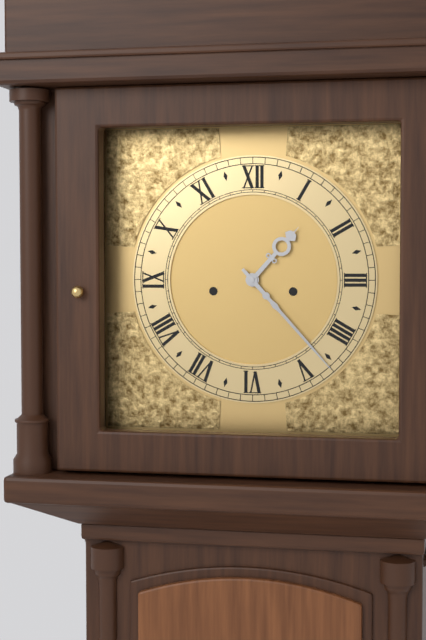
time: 1:23
